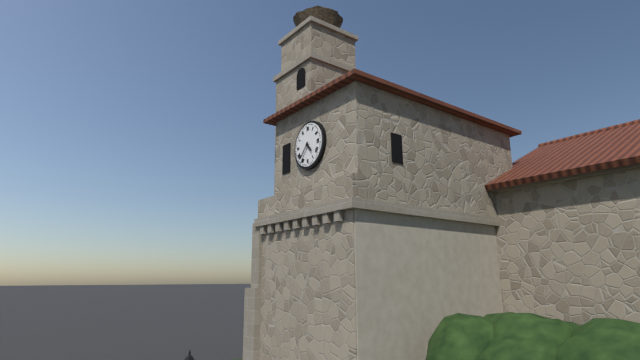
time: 4:37
